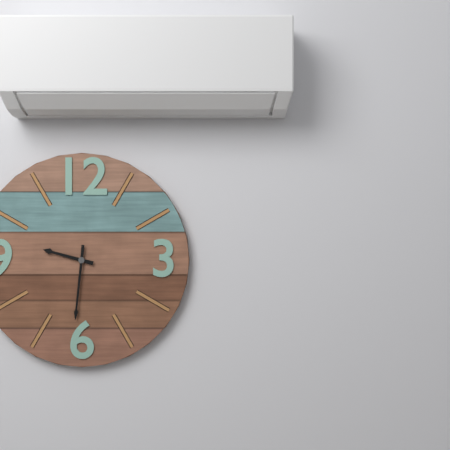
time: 9:31
